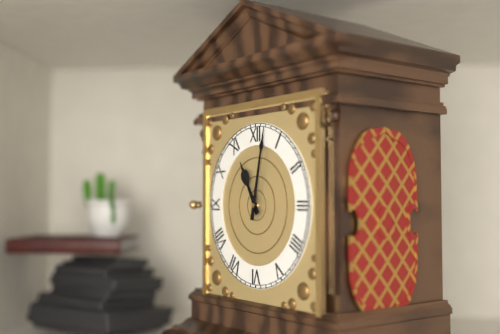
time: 11:02
